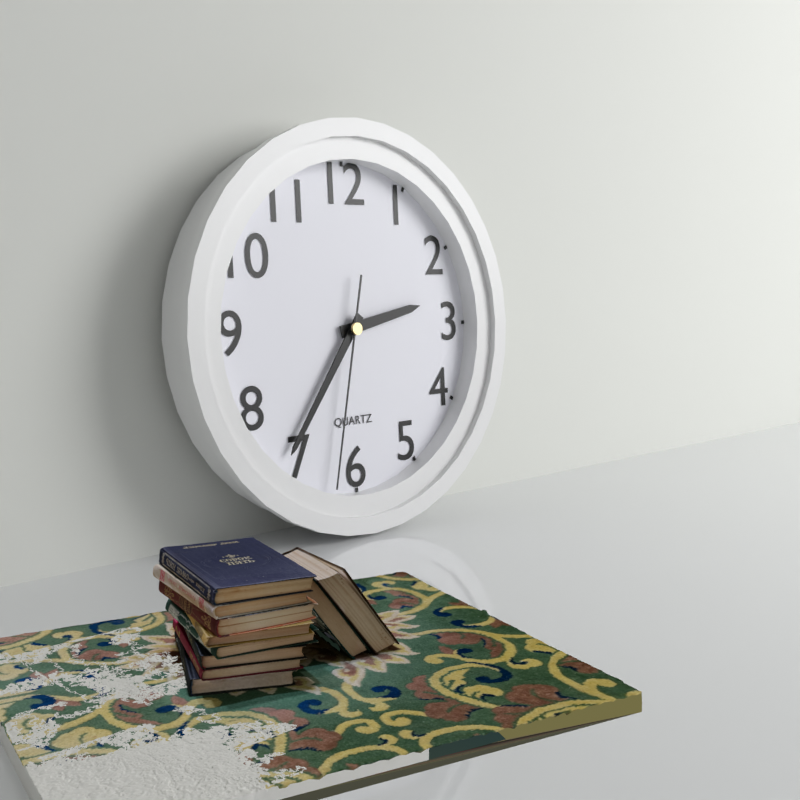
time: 2:36:32
